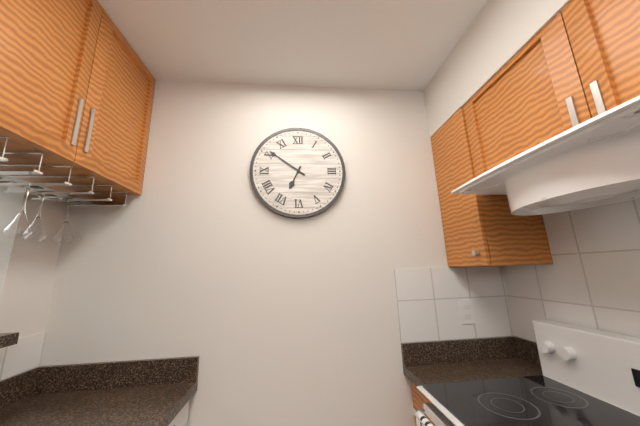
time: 6:51
